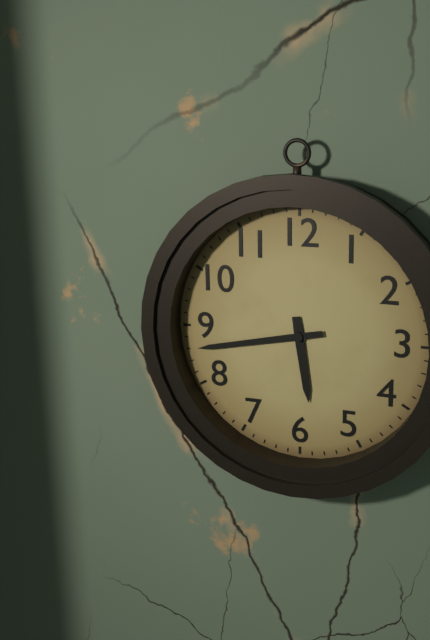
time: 5:43
